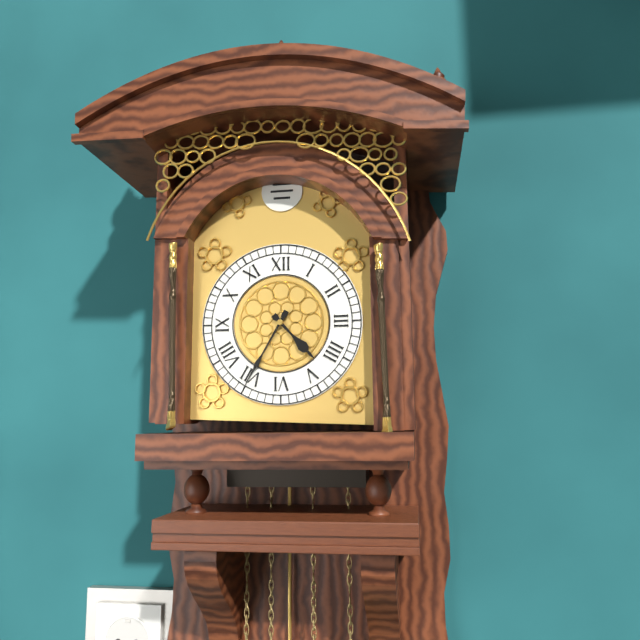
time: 4:35
